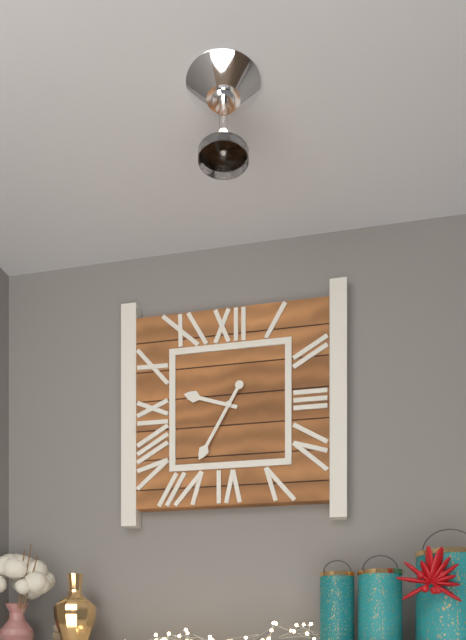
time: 9:35
